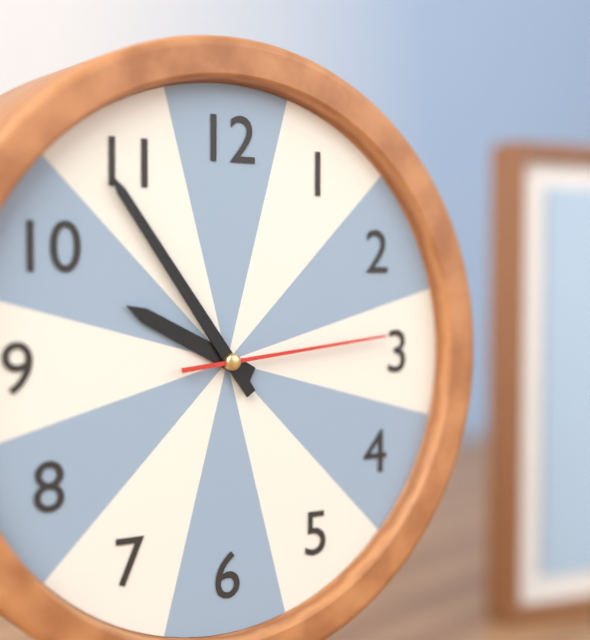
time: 9:54:14
